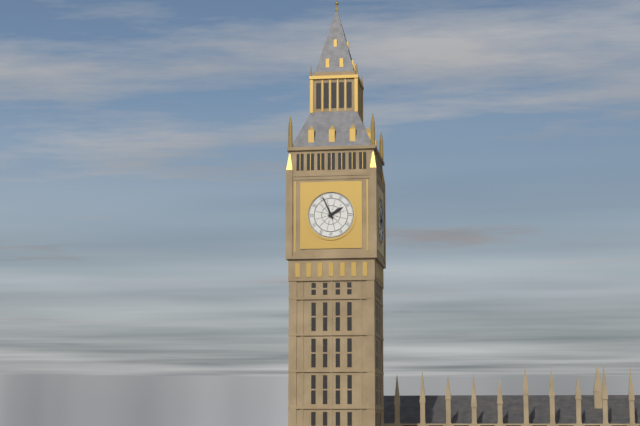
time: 1:56
